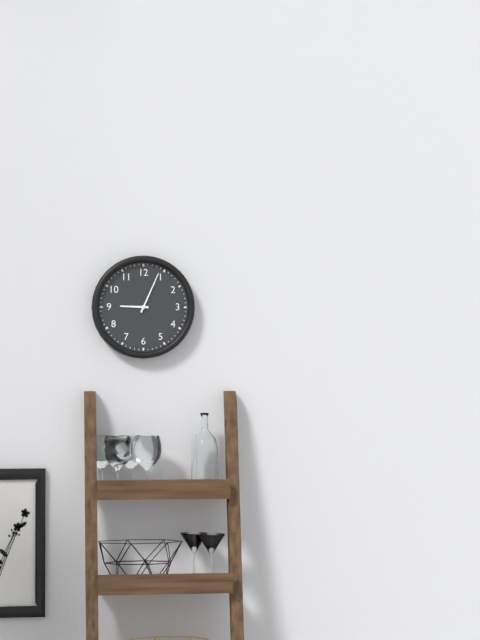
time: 9:04
